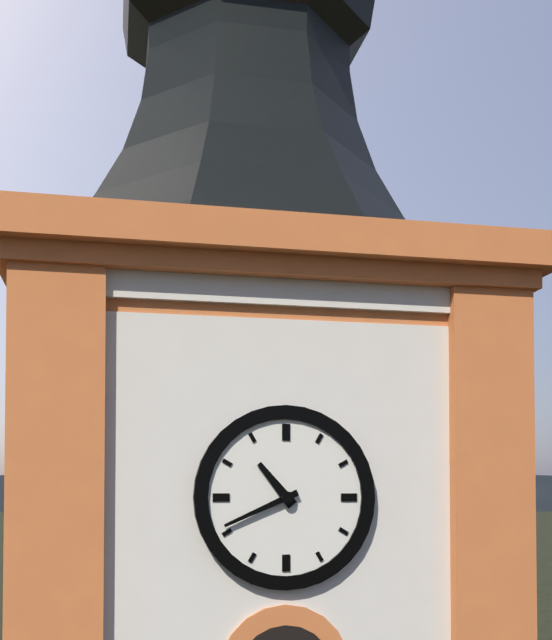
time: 10:41
